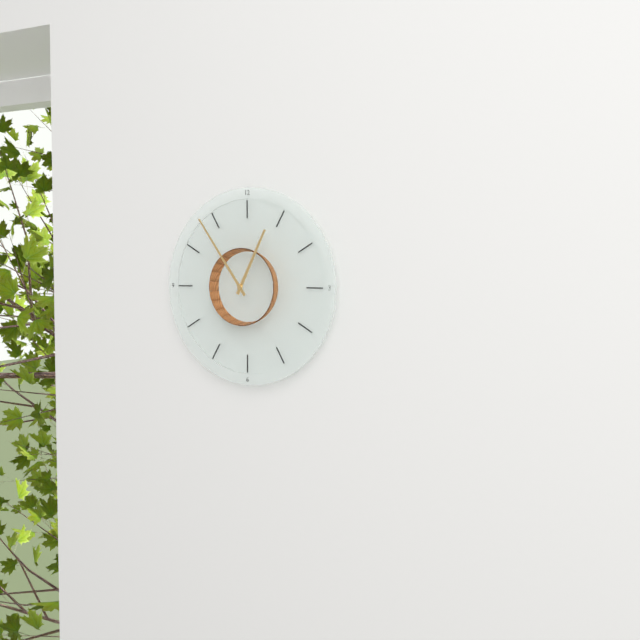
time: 12:54
